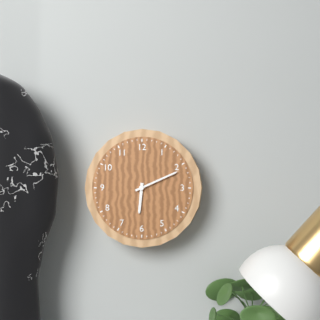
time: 6:11
